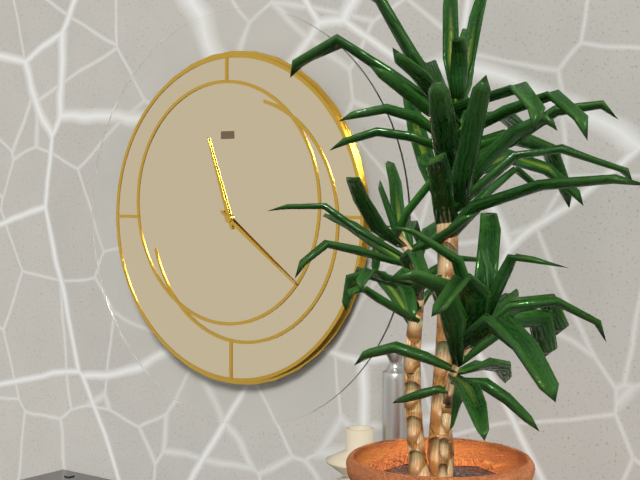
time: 11:21
